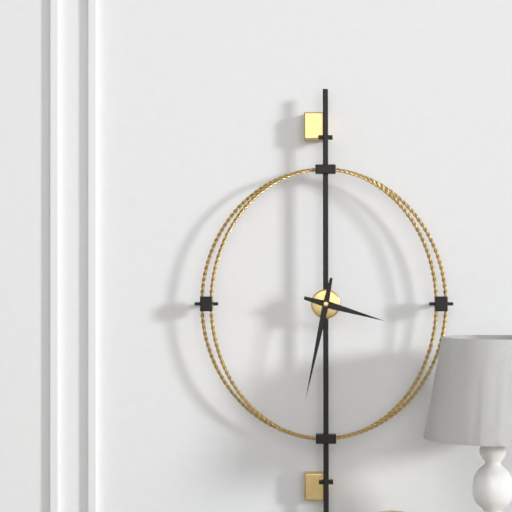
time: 3:32
